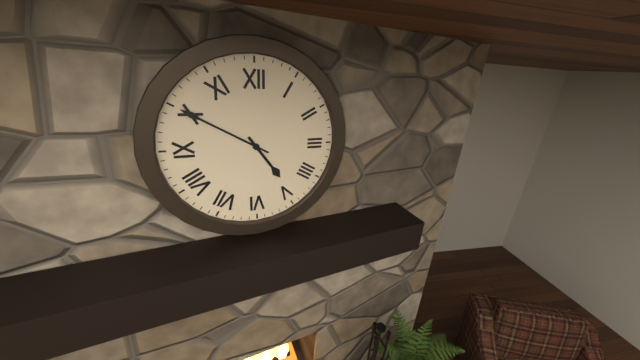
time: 4:50
